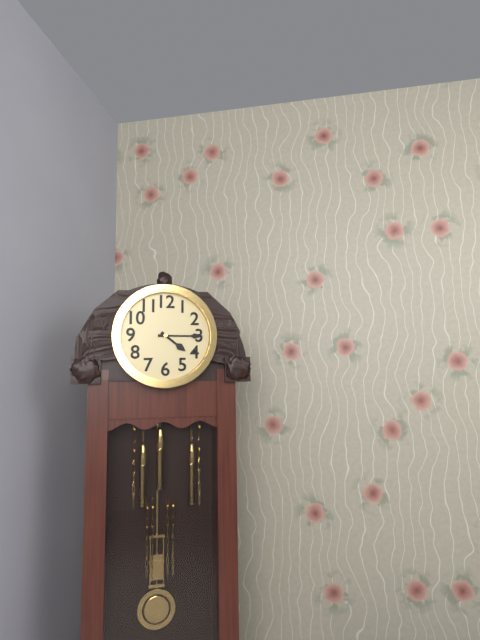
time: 4:15
